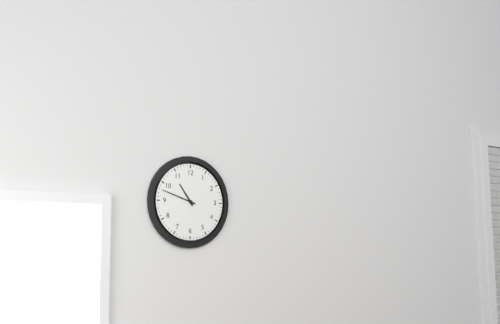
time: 10:48
